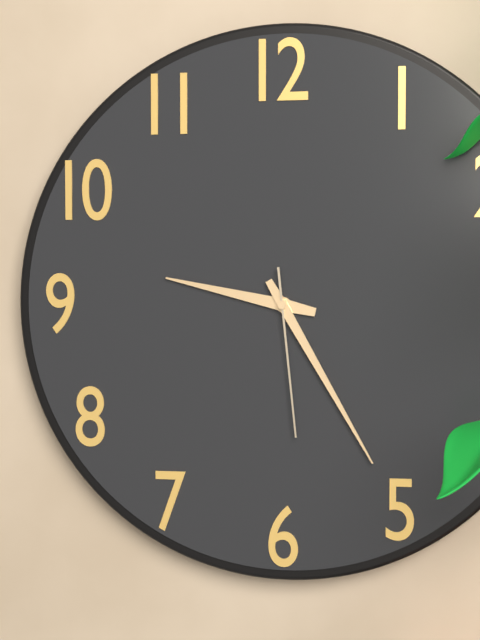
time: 9:25:29
